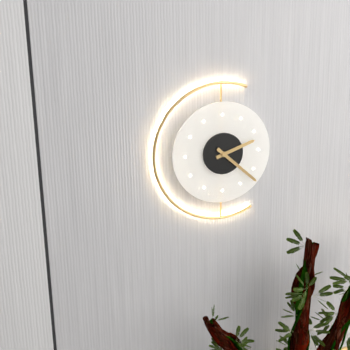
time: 2:22
